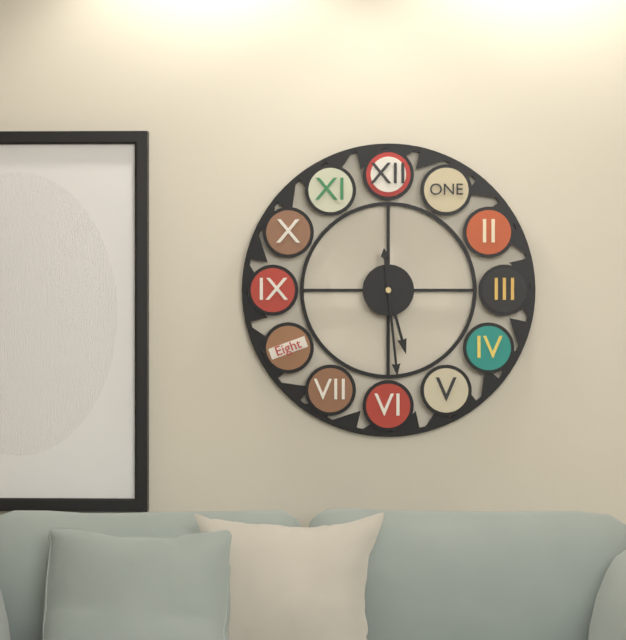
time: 5:29
